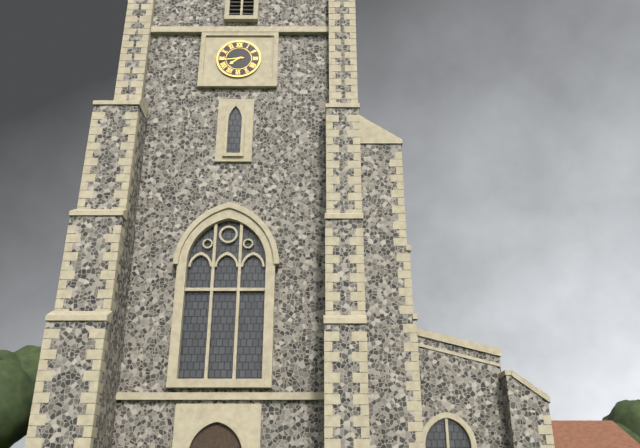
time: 7:44
